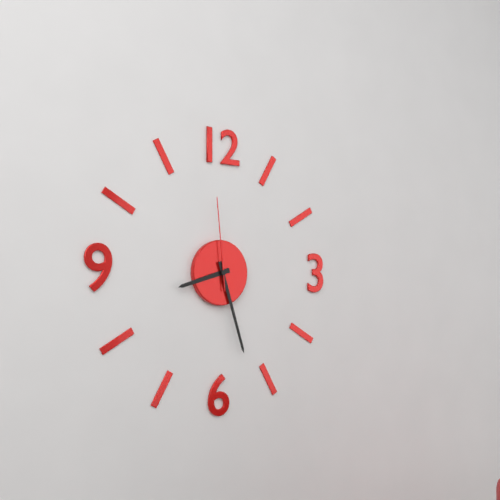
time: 8:27:59
